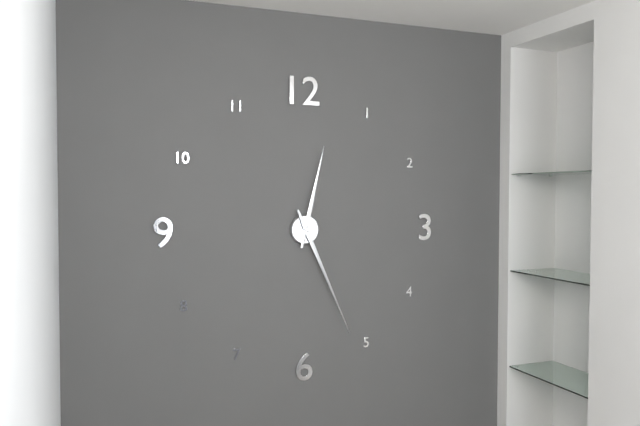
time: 12:26
